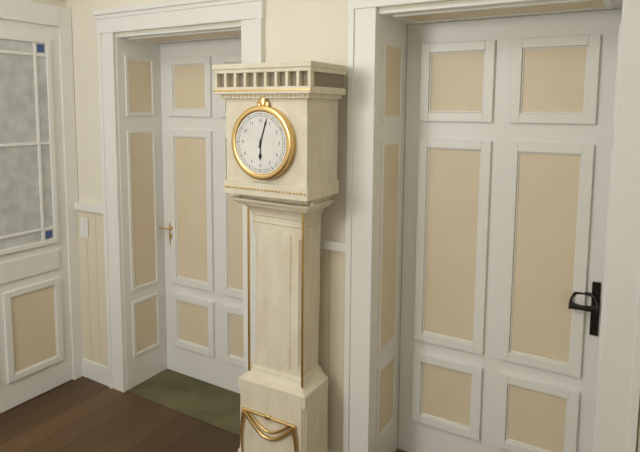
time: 6:03
